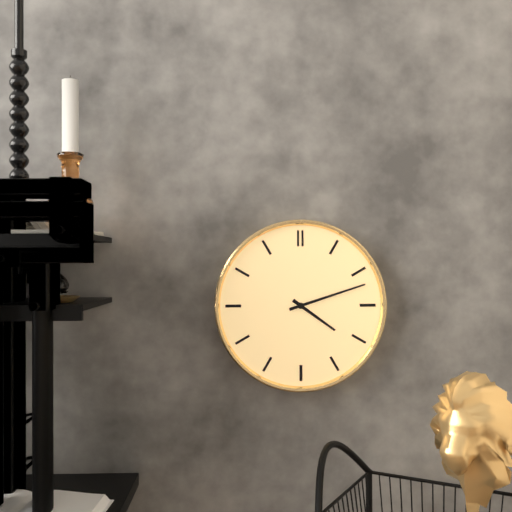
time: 4:12
